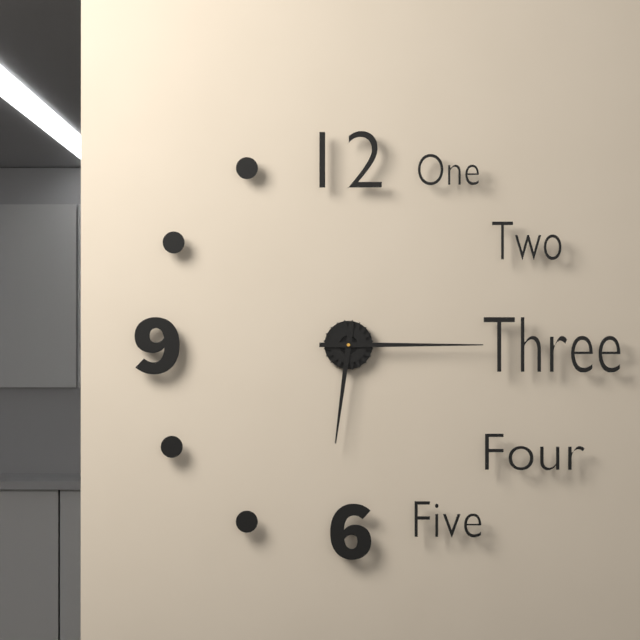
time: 6:15
